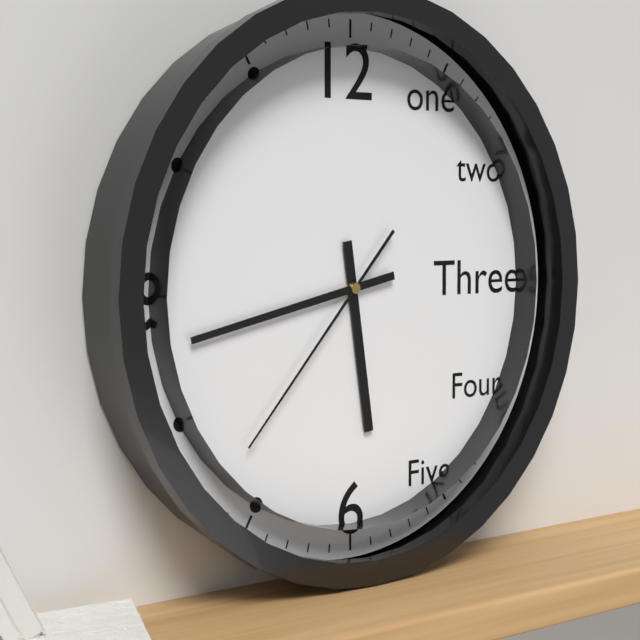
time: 5:43:37
